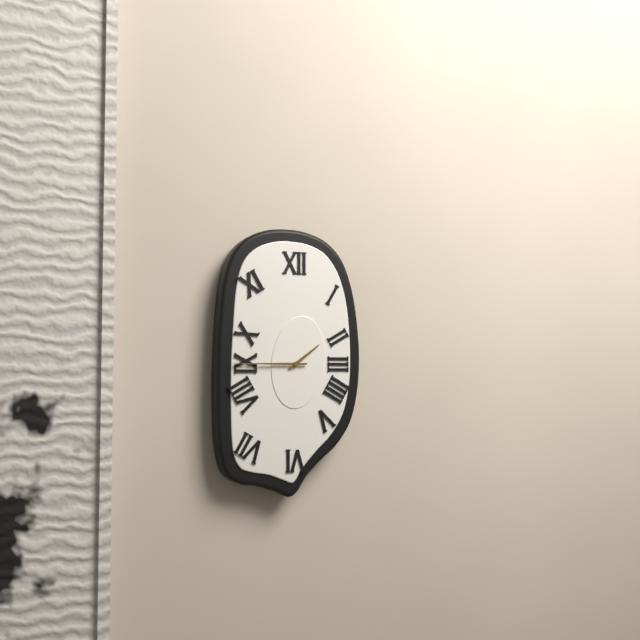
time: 1:45
